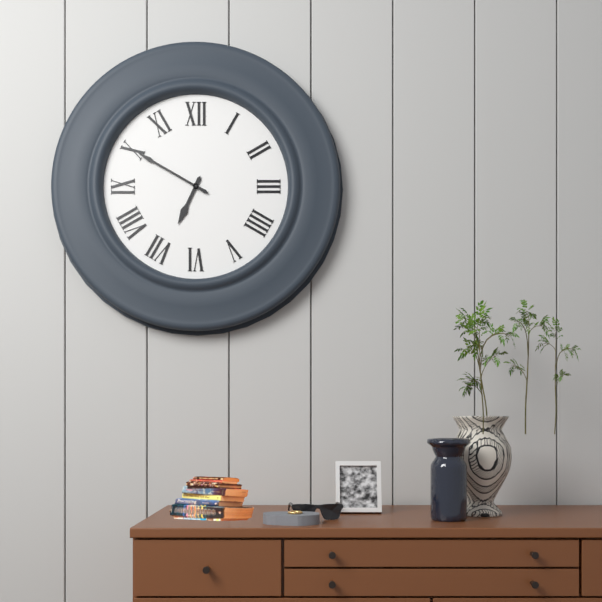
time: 6:50
